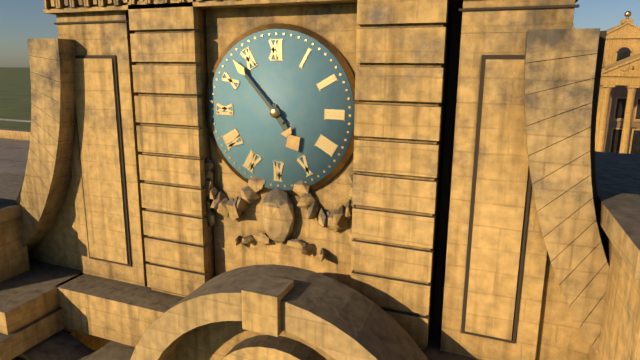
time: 4:53
